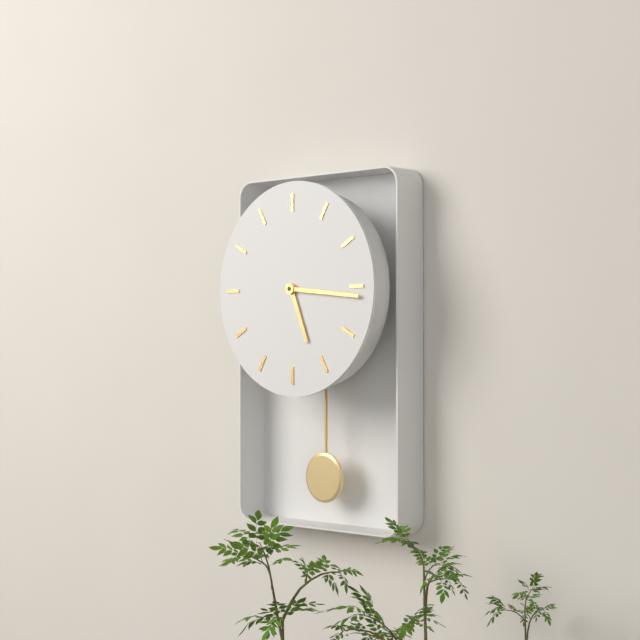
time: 5:16
